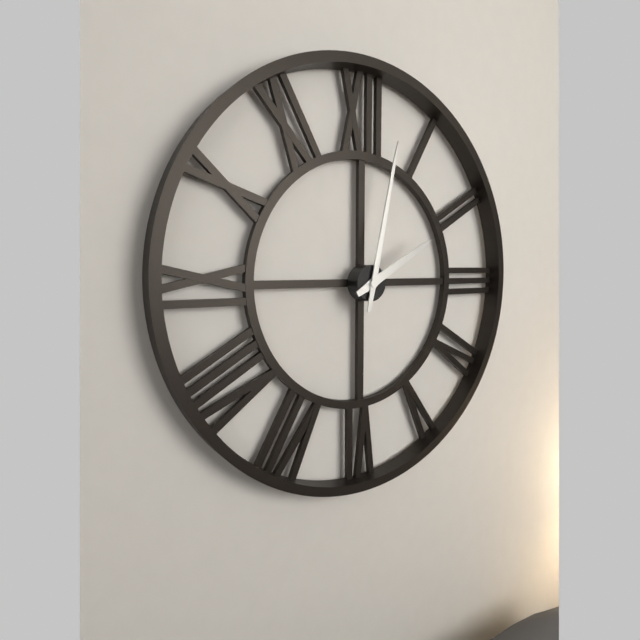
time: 2:02
